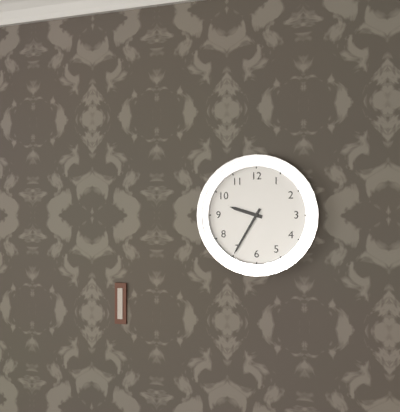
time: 9:35
